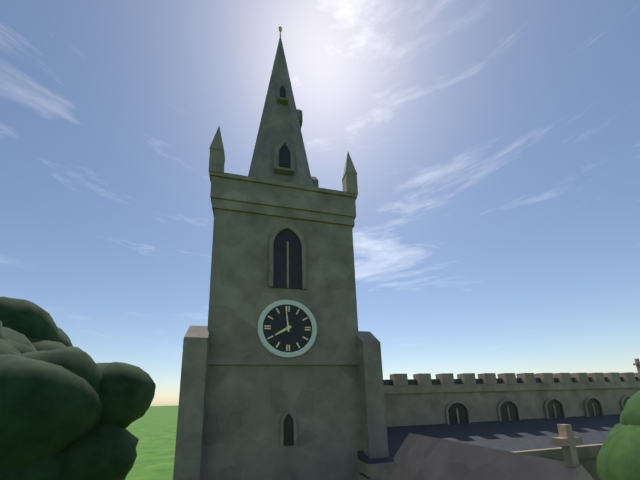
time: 7:59
